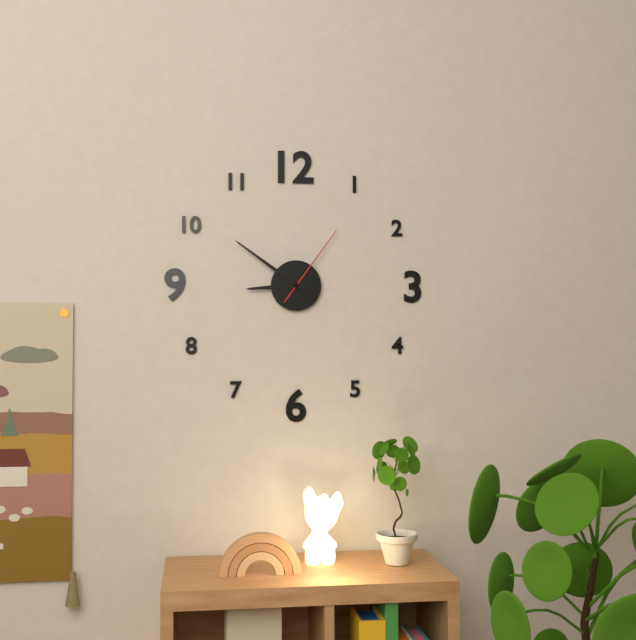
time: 8:51:06
